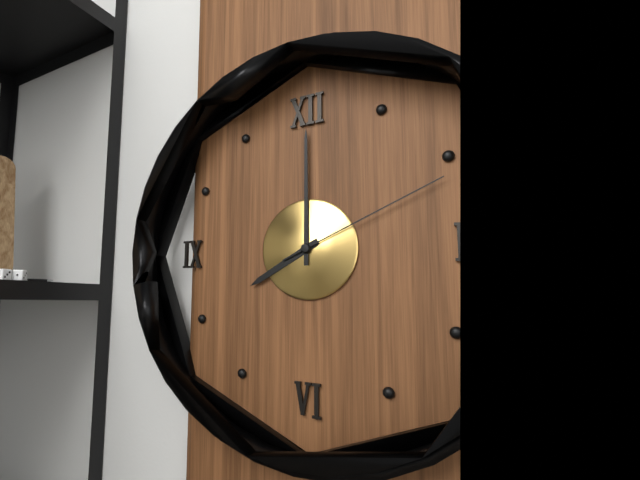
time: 8:00:11
